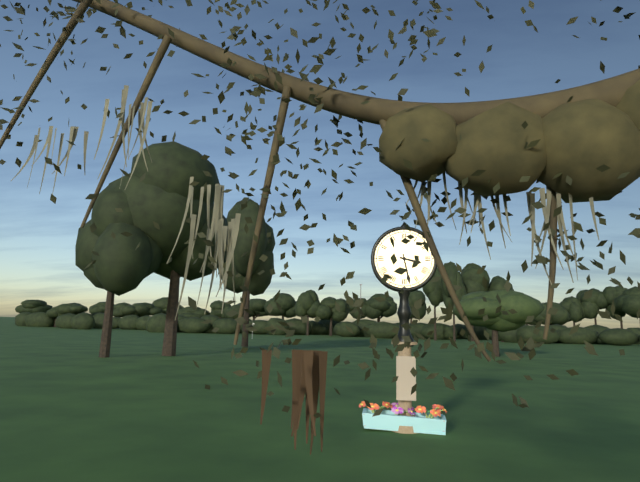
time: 3:28
